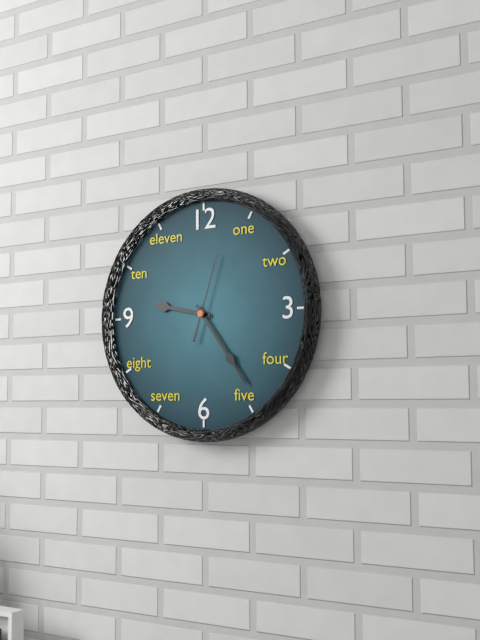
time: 9:24:03
